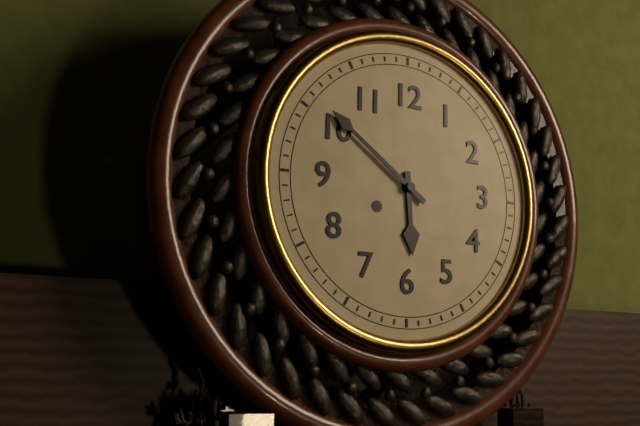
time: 5:51
